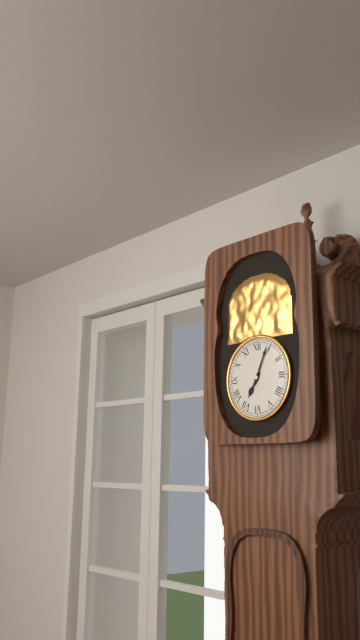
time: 7:04
